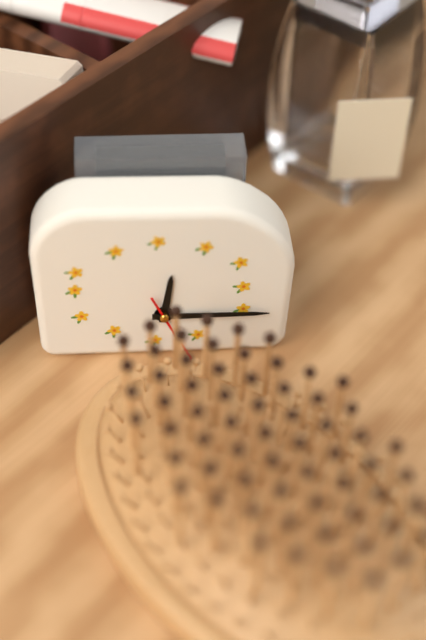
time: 12:15
